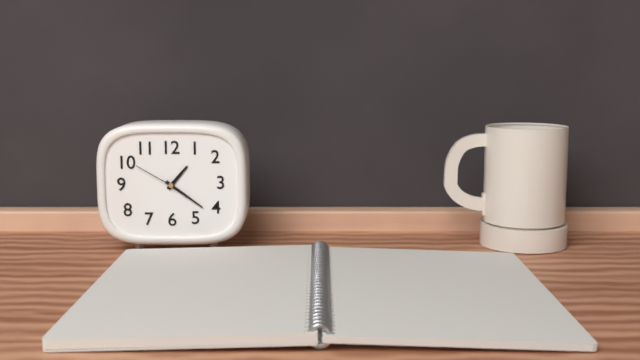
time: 1:21:50
